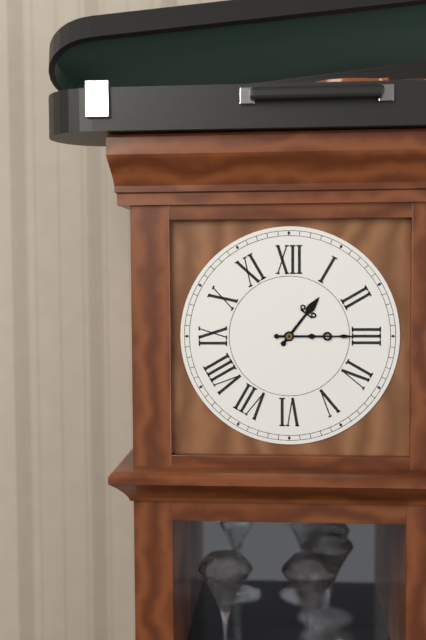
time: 1:15
